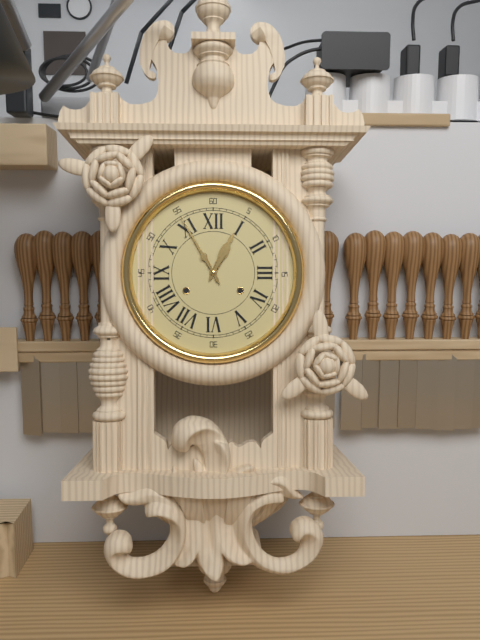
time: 12:55
